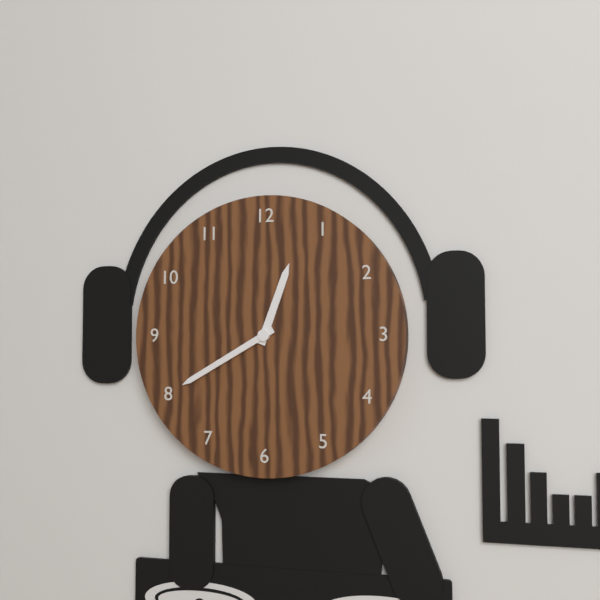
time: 12:40
